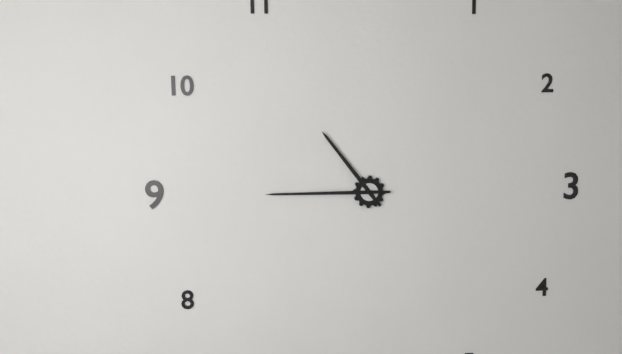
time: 10:45
